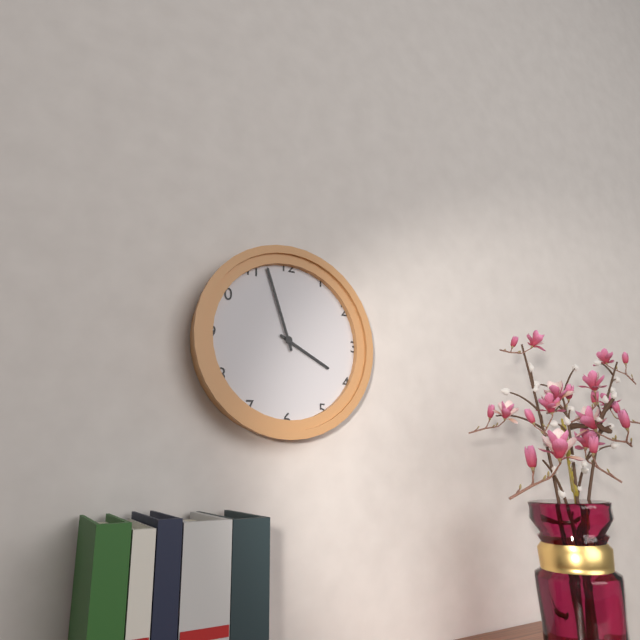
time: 3:57
